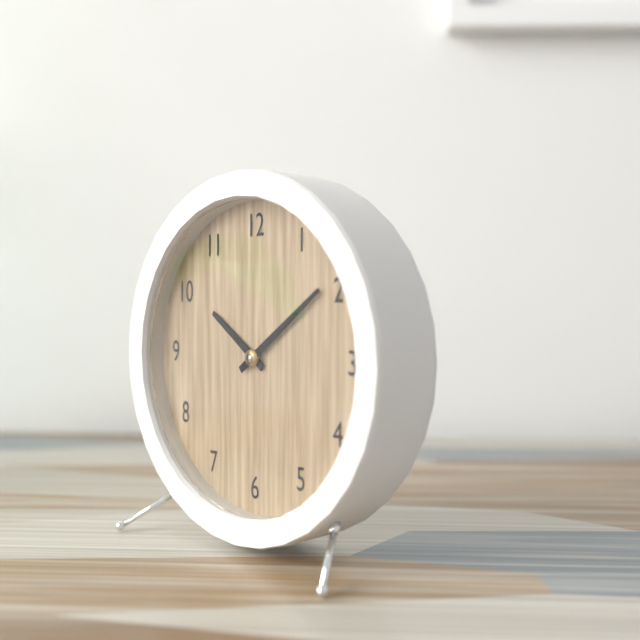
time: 10:09
